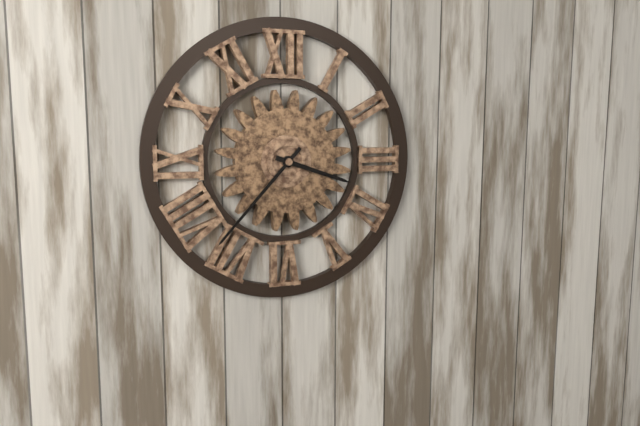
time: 3:37
